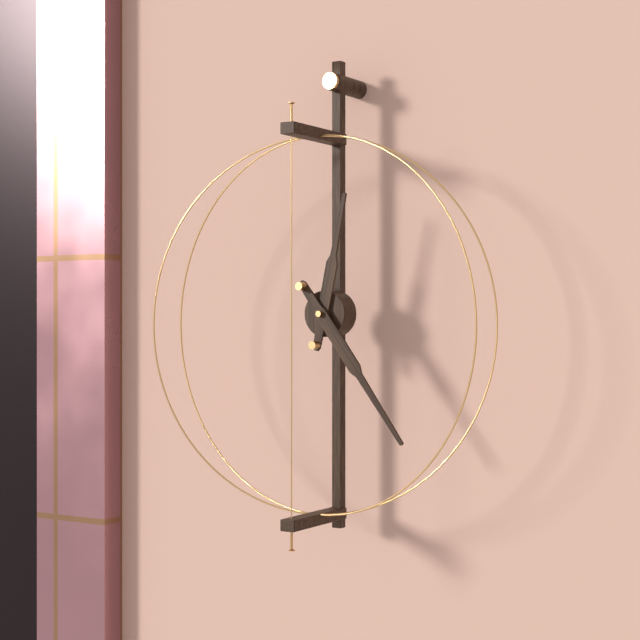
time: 12:24
